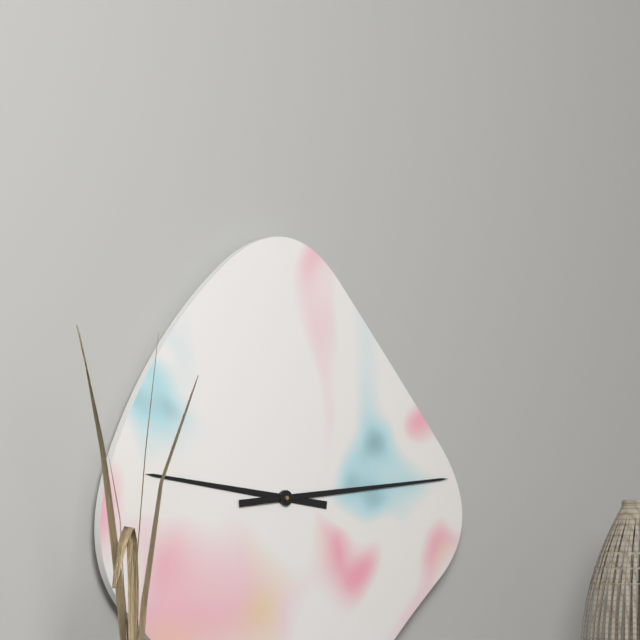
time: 9:14
